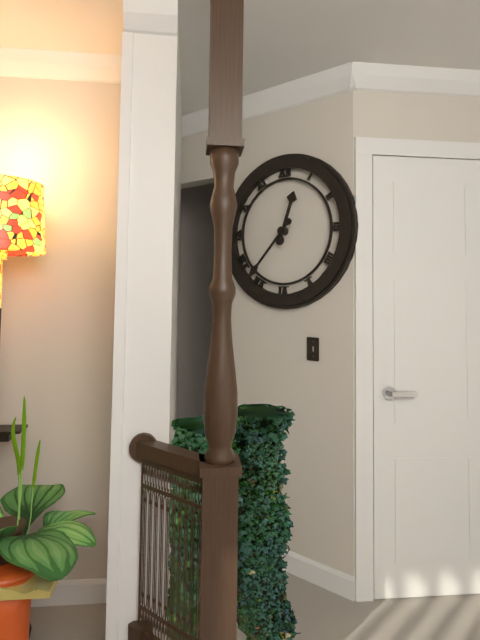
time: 12:37
